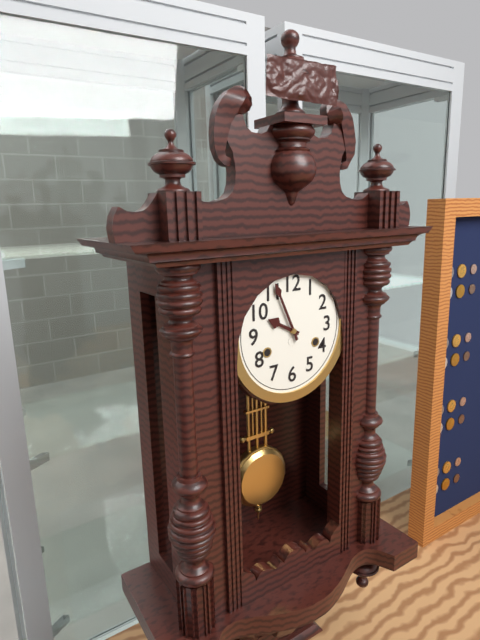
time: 9:56
